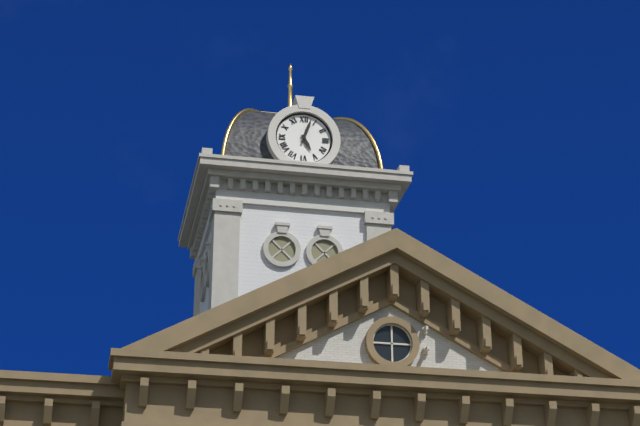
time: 5:03
